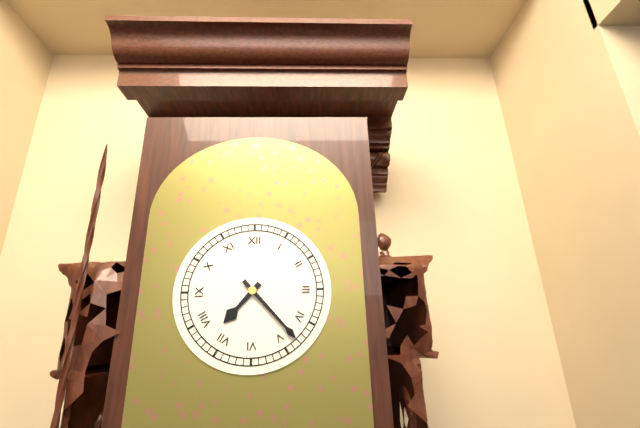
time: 7:23
